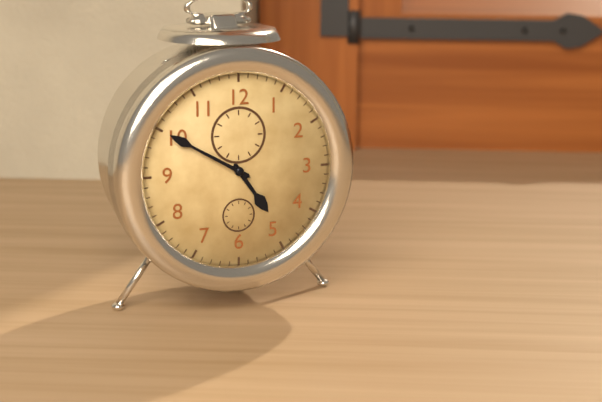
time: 4:50
